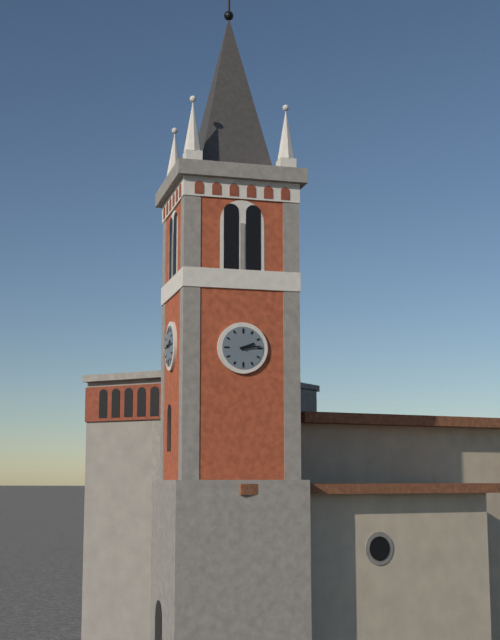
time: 2:14
